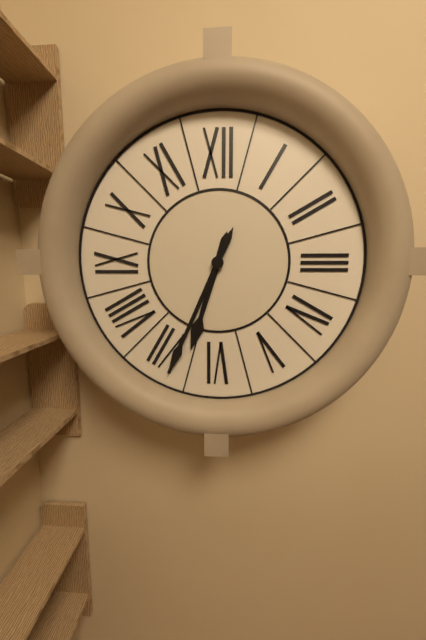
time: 6:34
